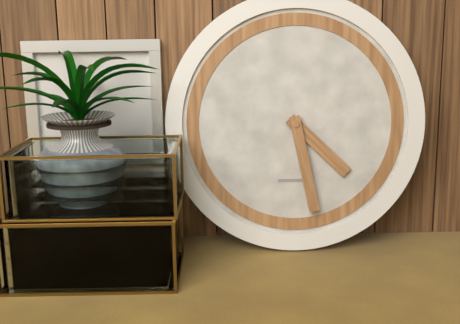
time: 4:28
